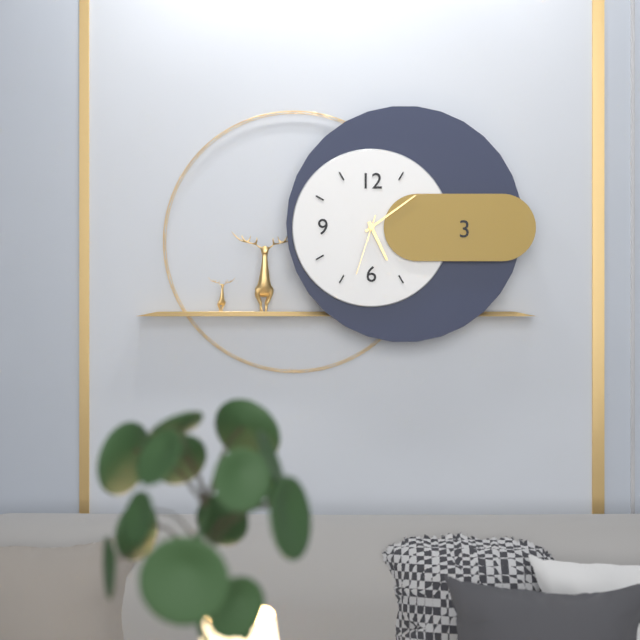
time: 5:09:33
